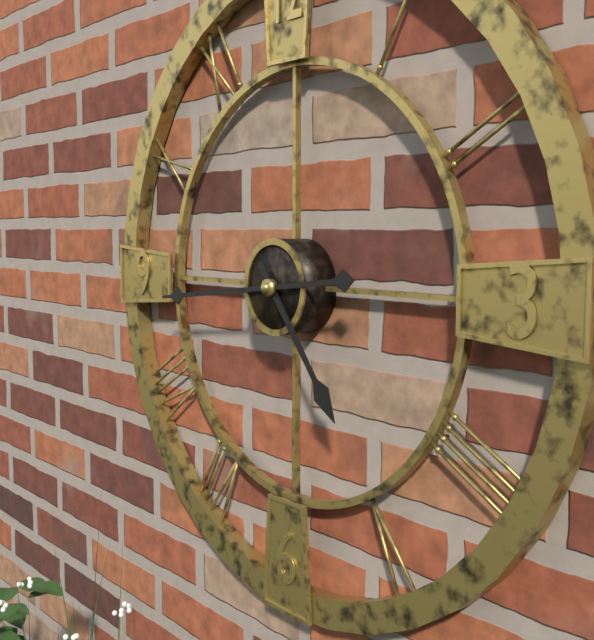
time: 4:44
